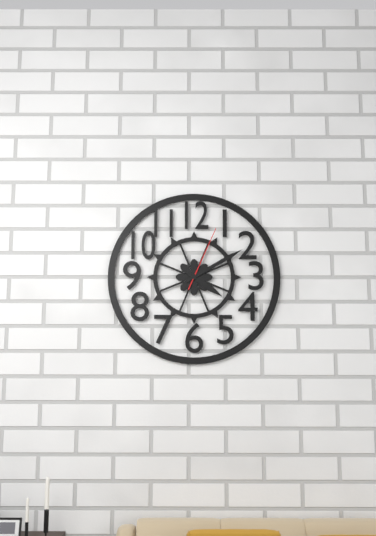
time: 4:10:04
